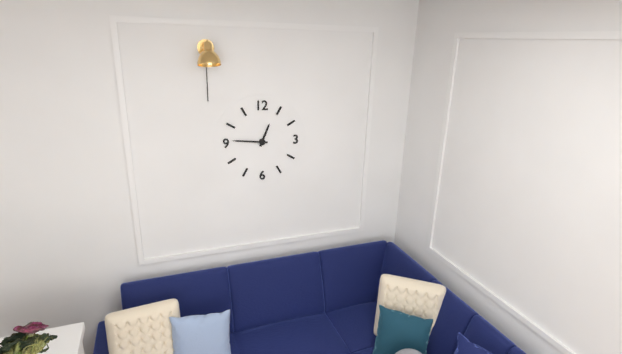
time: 12:46
